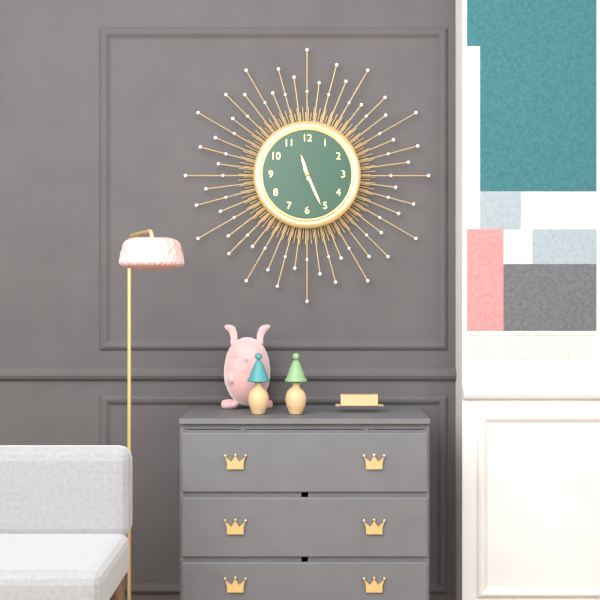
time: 11:26
